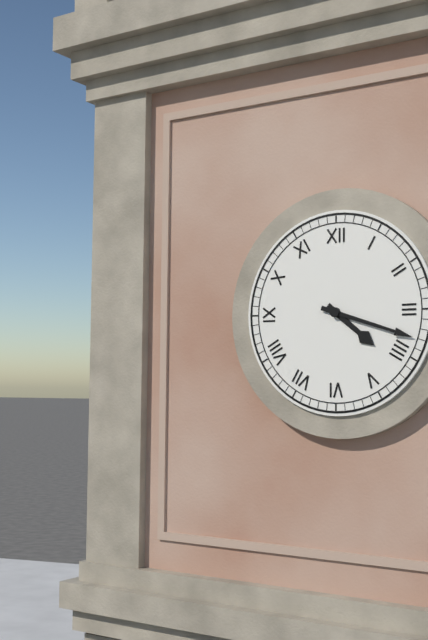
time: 4:18
